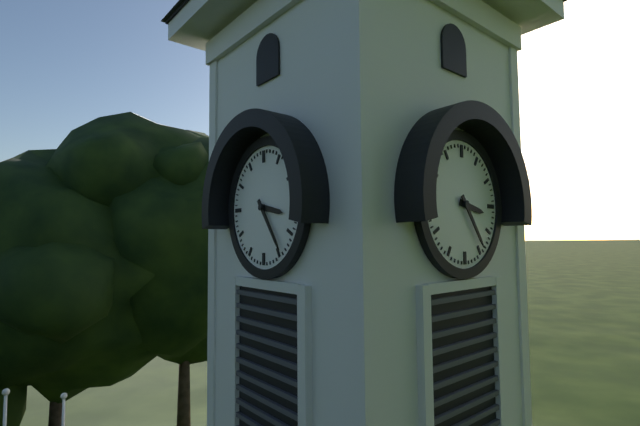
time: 3:24
